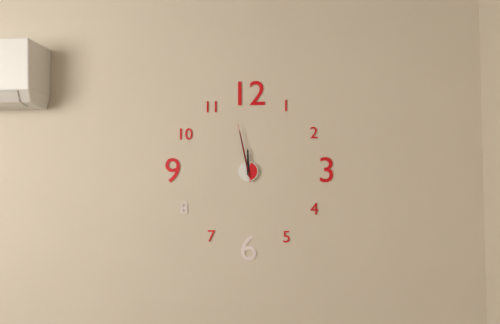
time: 11:58:58
